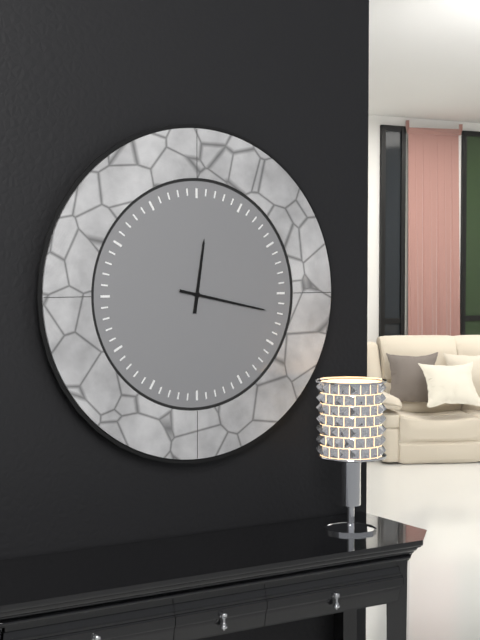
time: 12:17
